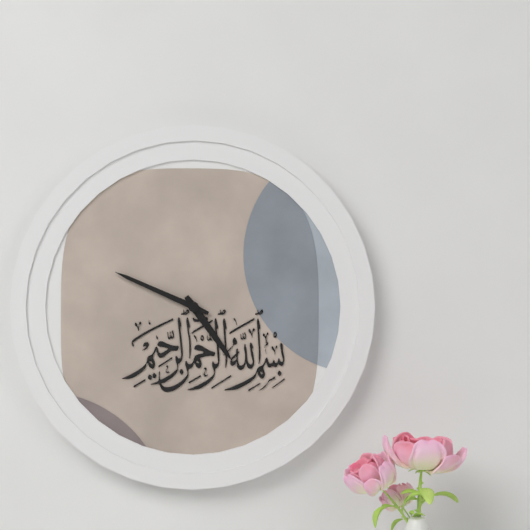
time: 4:49
